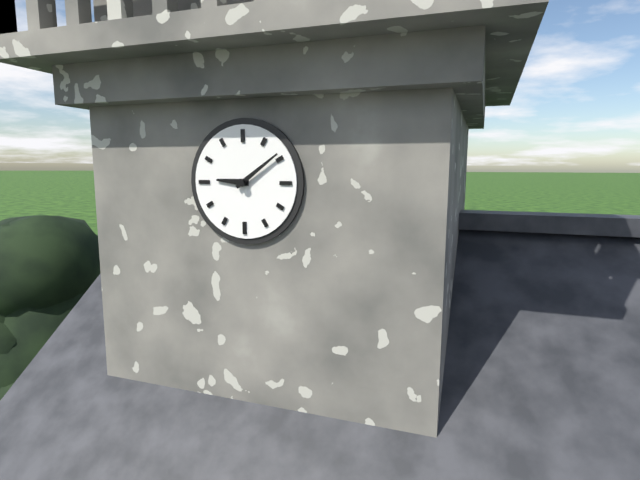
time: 9:09
